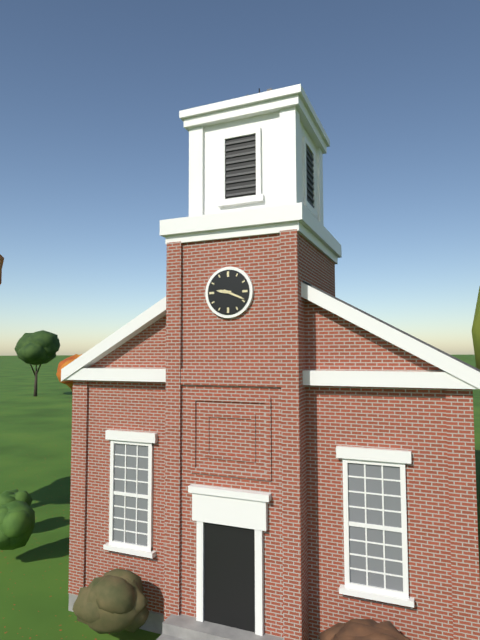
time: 9:19
